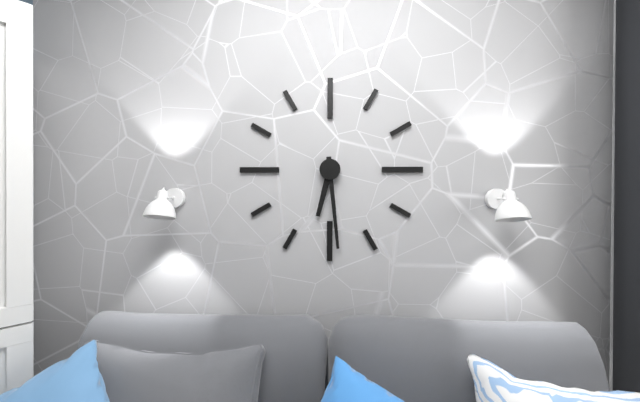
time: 6:29
